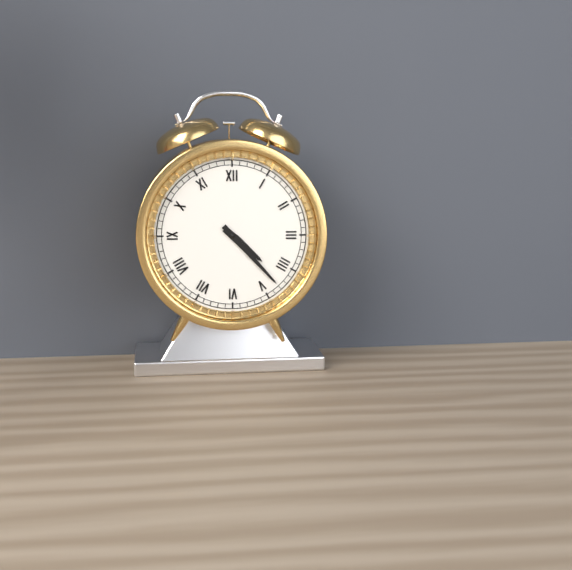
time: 4:23
